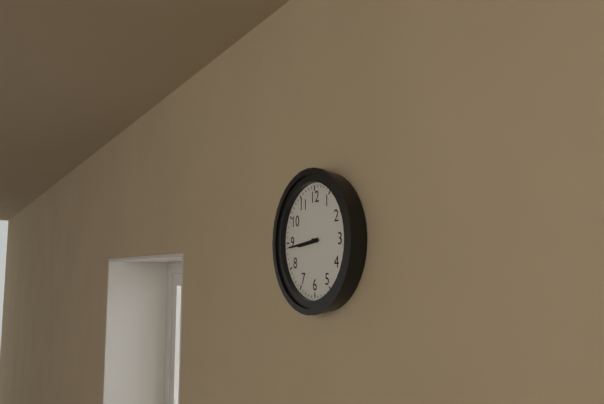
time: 8:44
